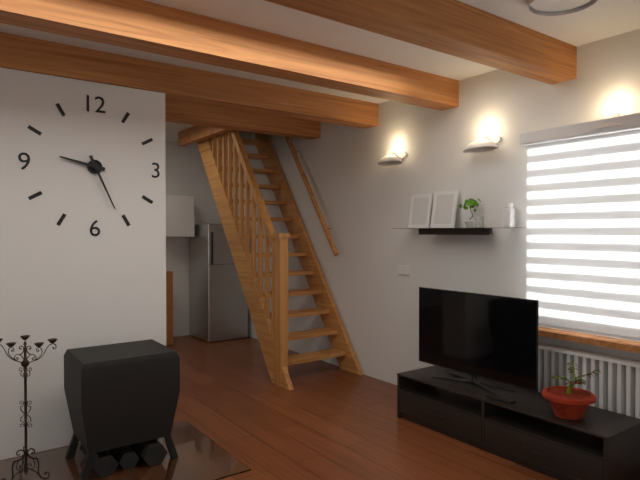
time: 9:26
